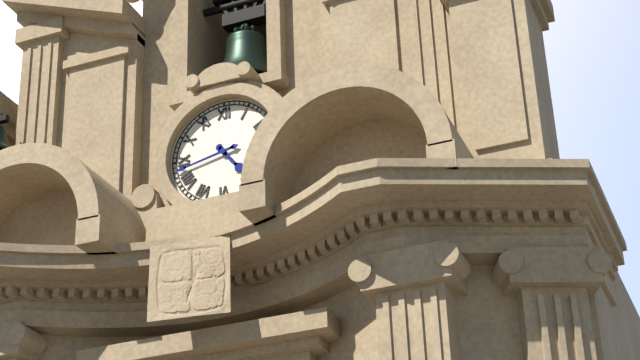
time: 4:43
